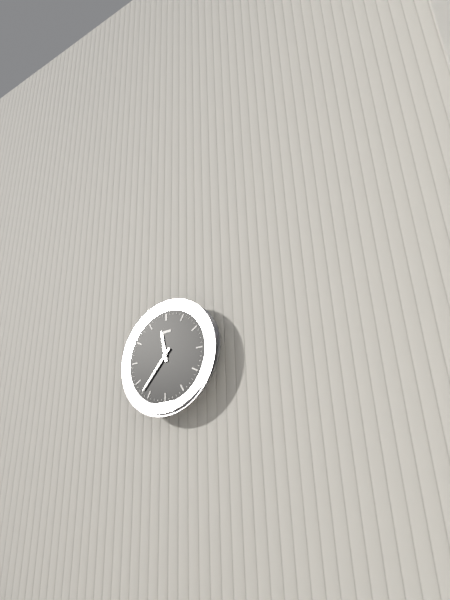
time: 11:37
